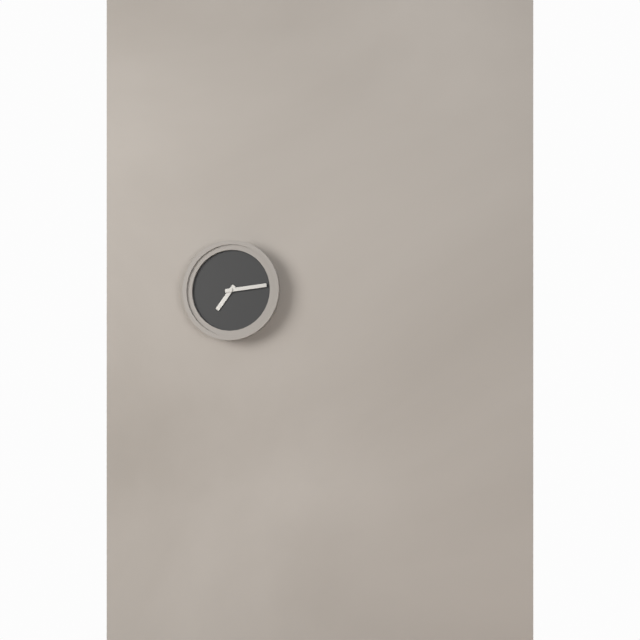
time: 7:14
